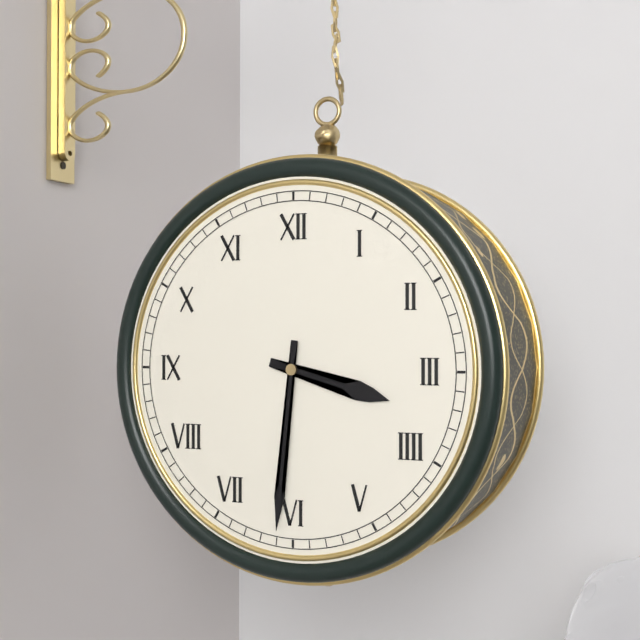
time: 3:31
